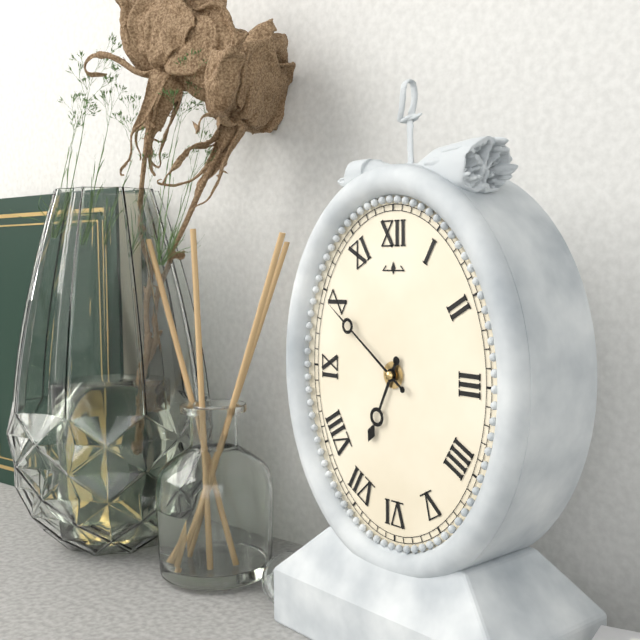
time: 6:51
